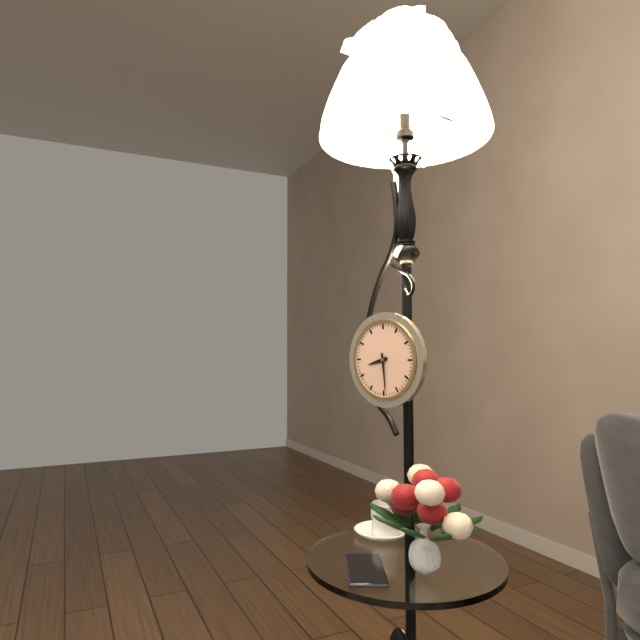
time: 8:29
